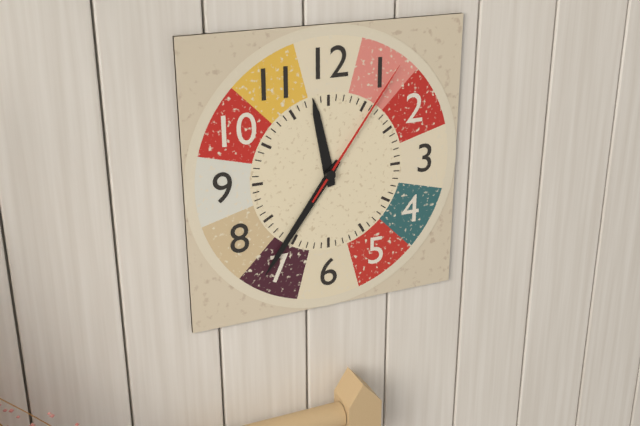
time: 11:36:06
